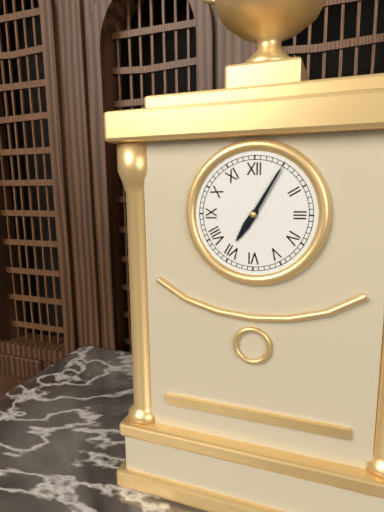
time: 7:05
